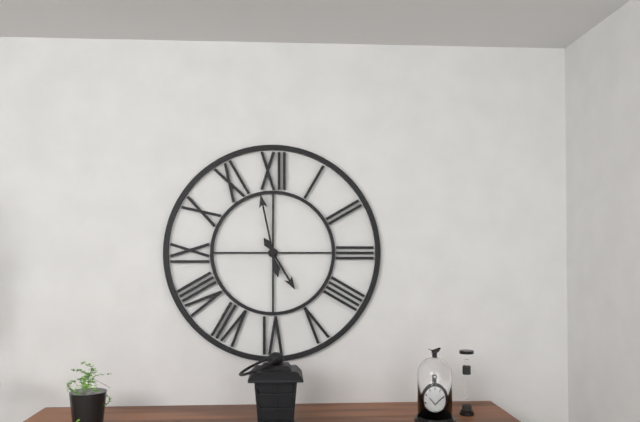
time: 4:58
